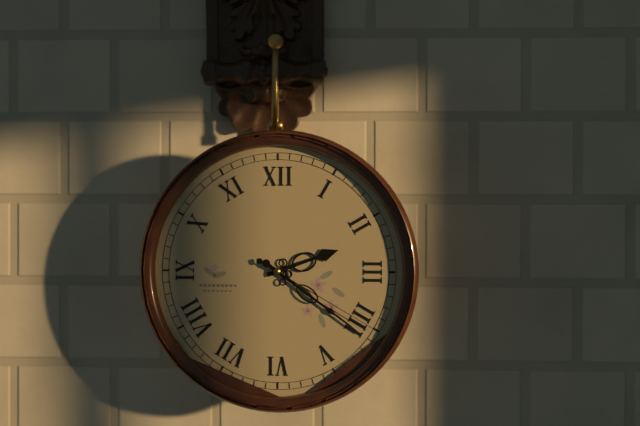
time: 2:21:20
